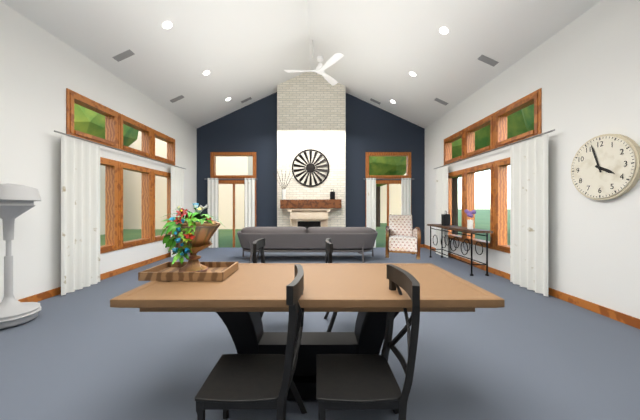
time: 3:57
